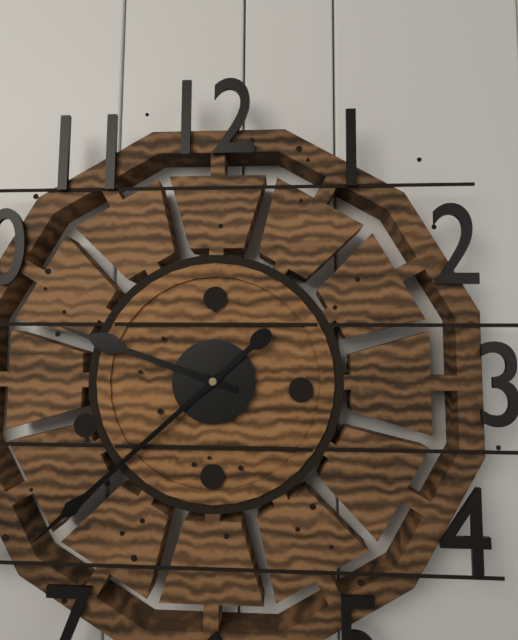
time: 9:38
